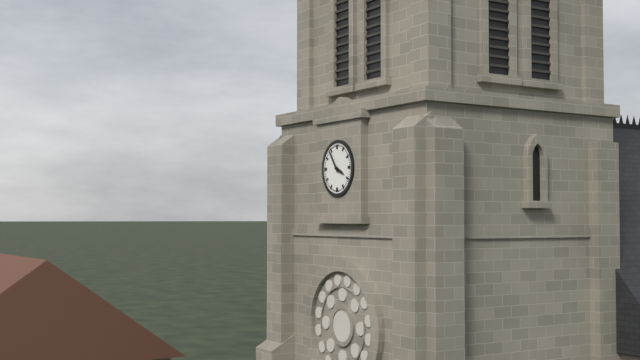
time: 3:54
